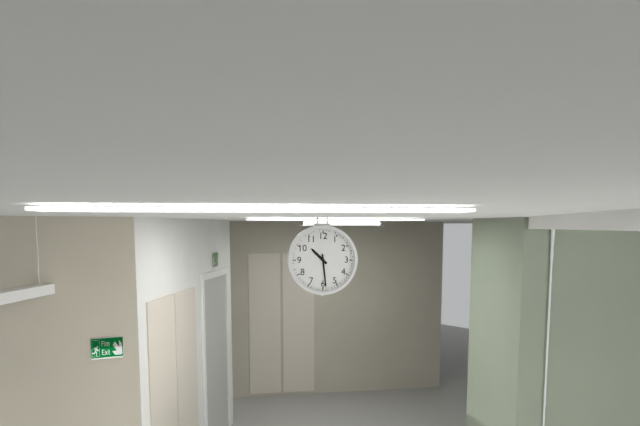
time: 10:29
